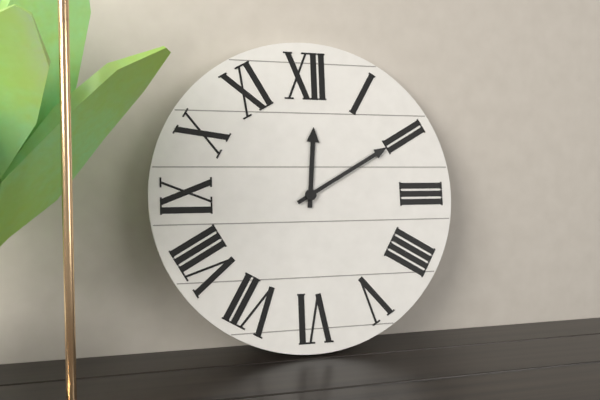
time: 12:10
